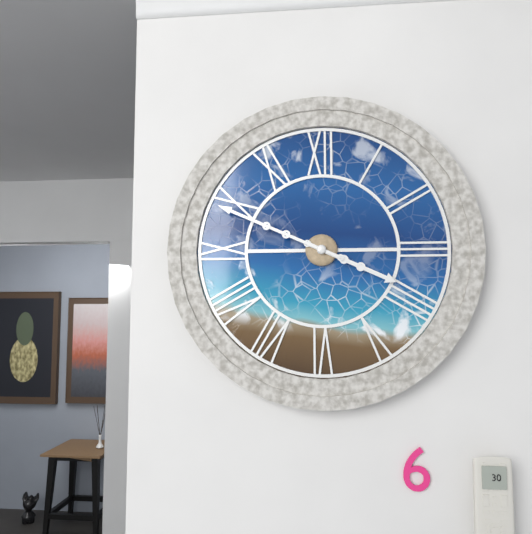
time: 3:49
